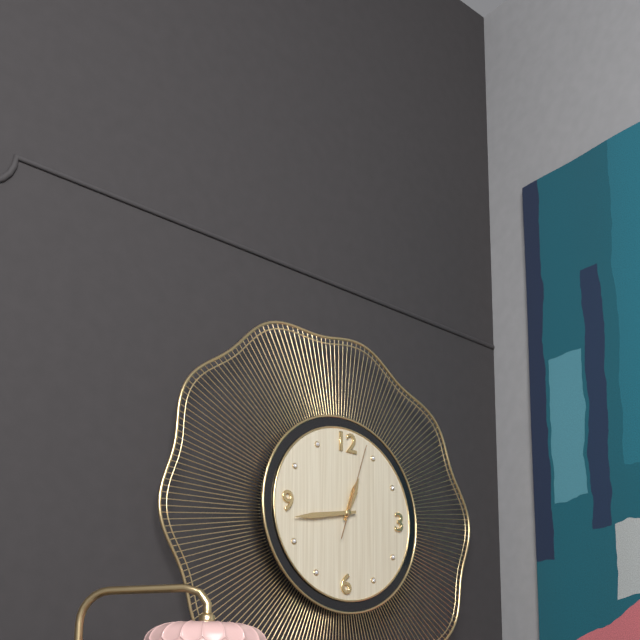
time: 12:43:03
